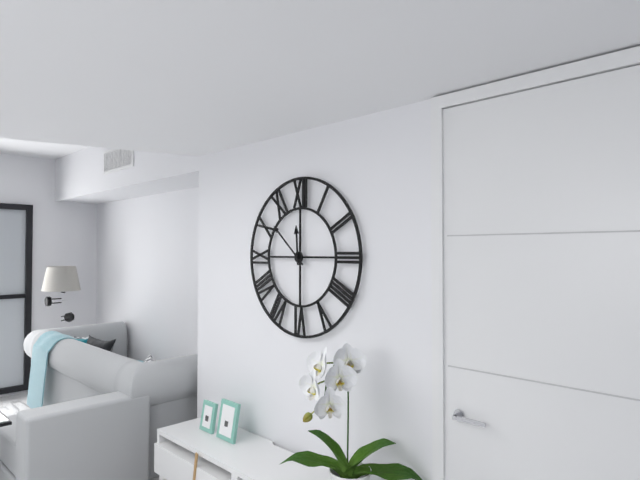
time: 11:52
